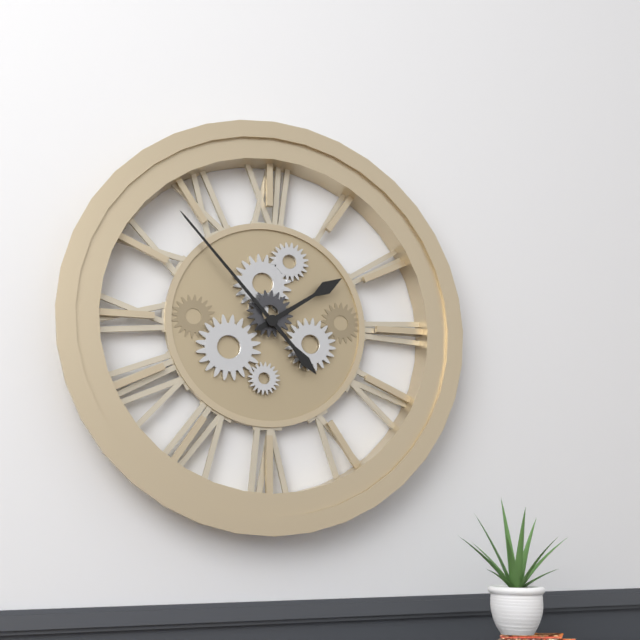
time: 1:53
